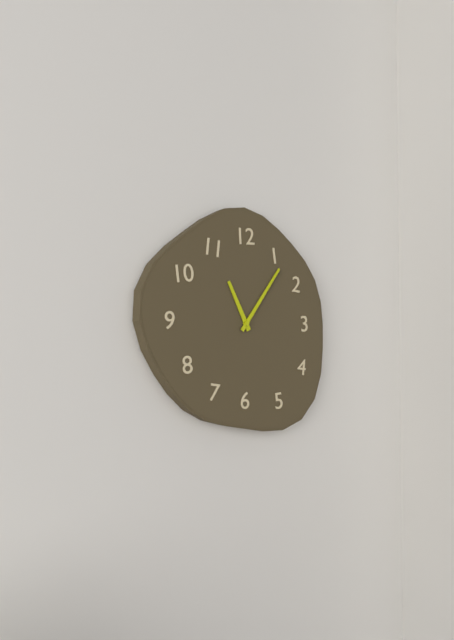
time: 11:06
